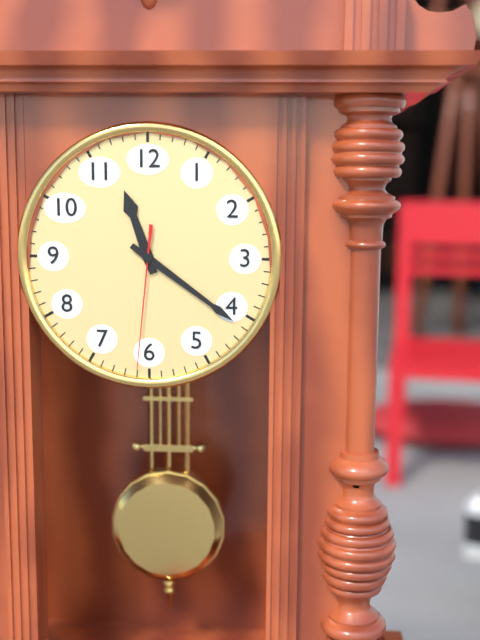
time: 11:21:31
